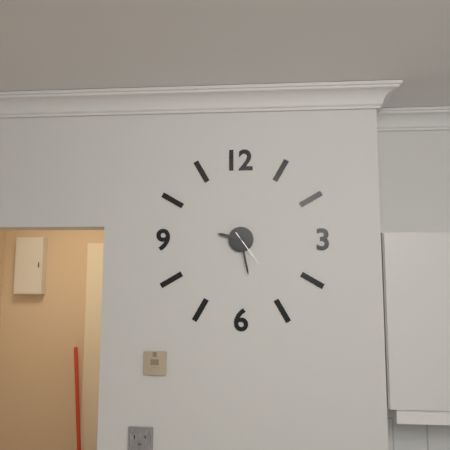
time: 9:28
